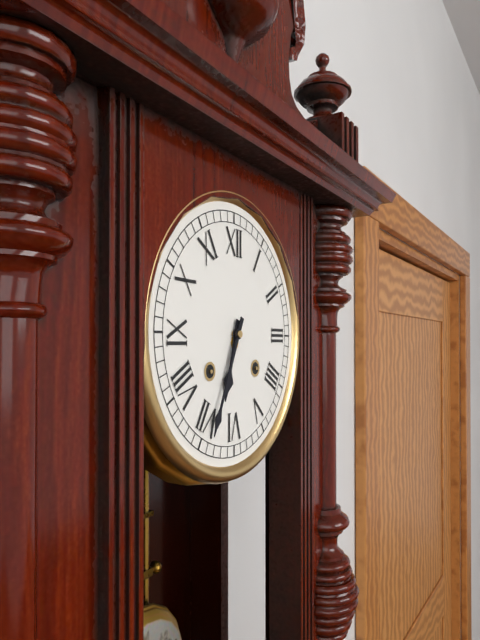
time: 6:34
